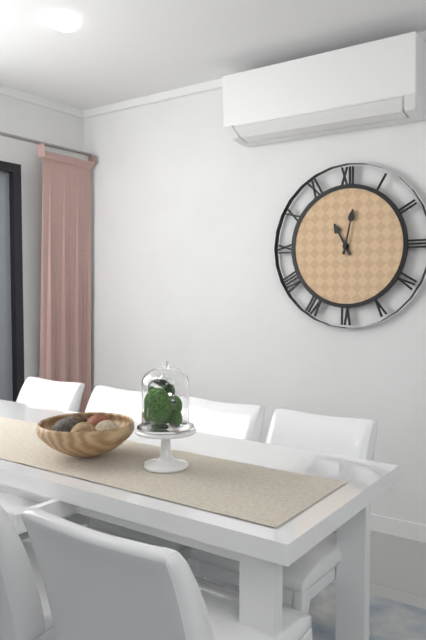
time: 11:02
